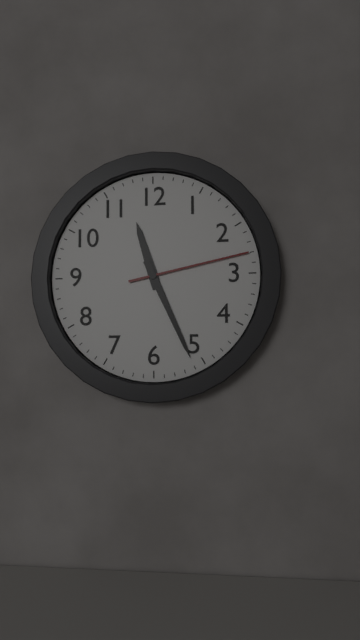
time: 11:26:13
